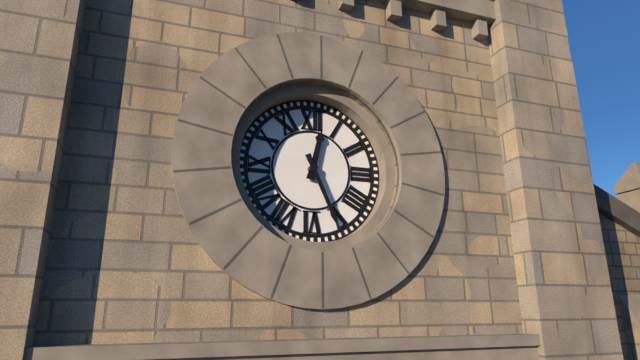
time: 12:26
